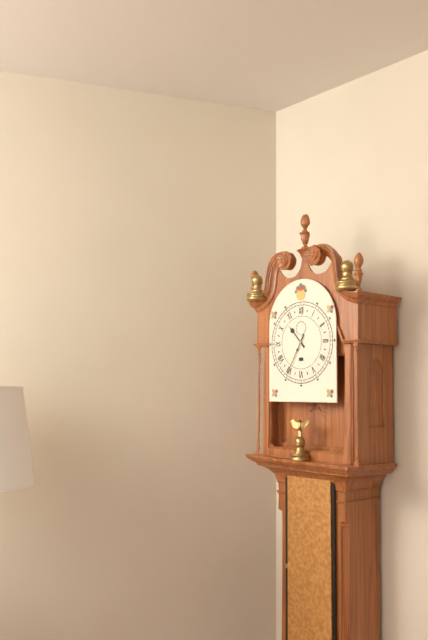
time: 10:35
